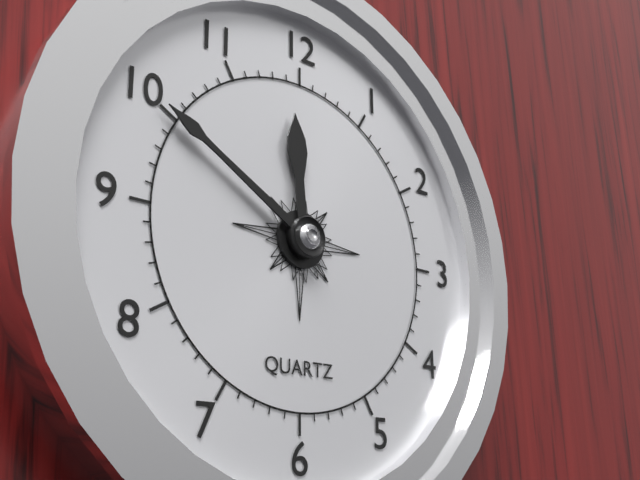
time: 11:50
